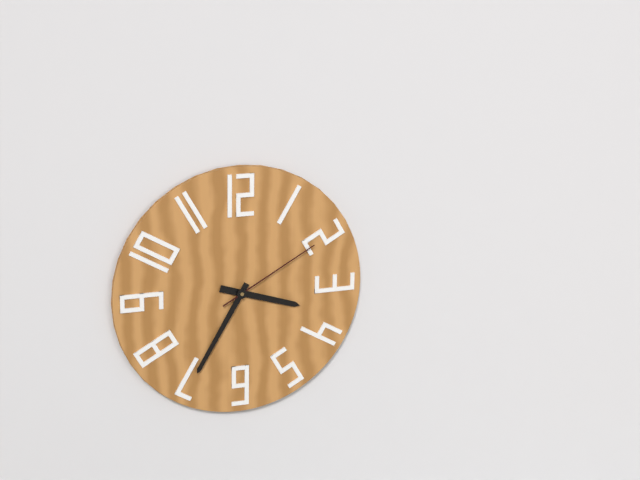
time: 3:35:10
